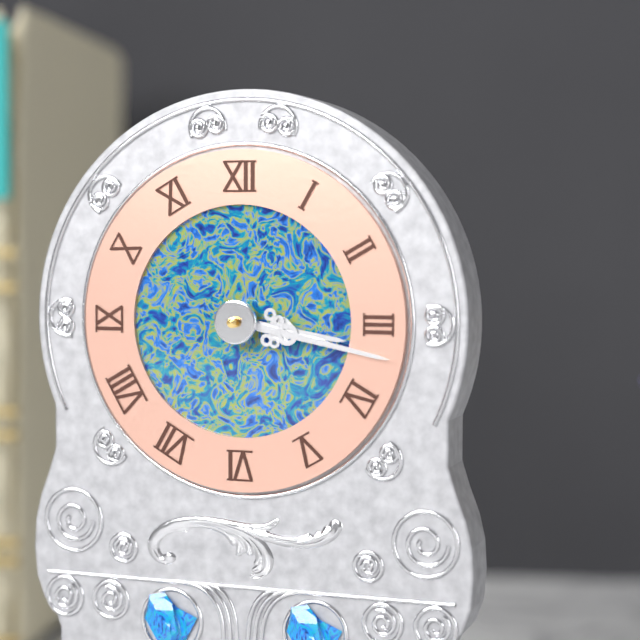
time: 3:17
